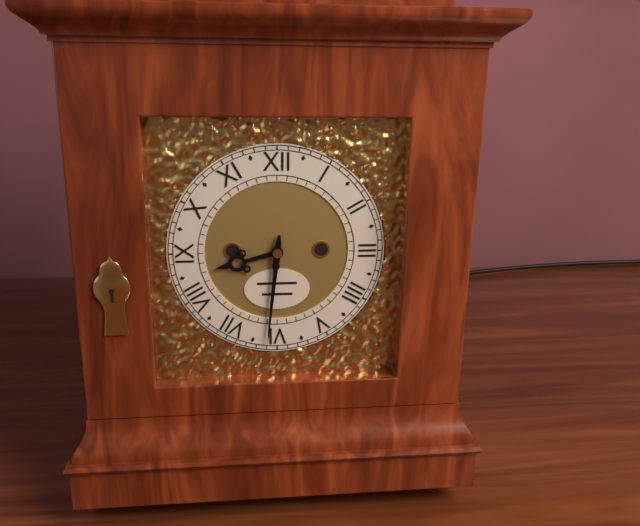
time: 8:31
